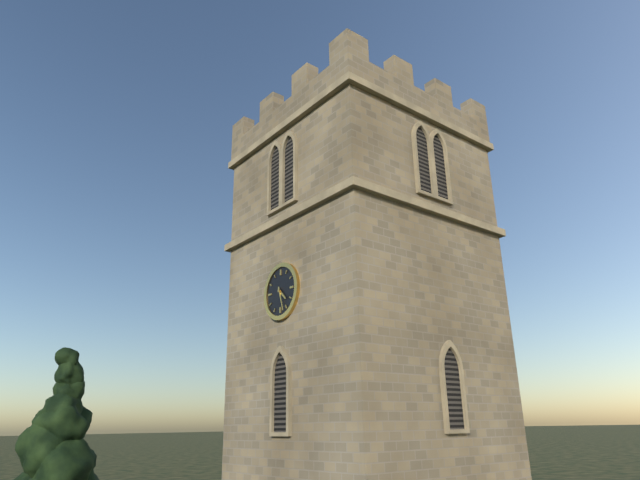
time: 4:27
